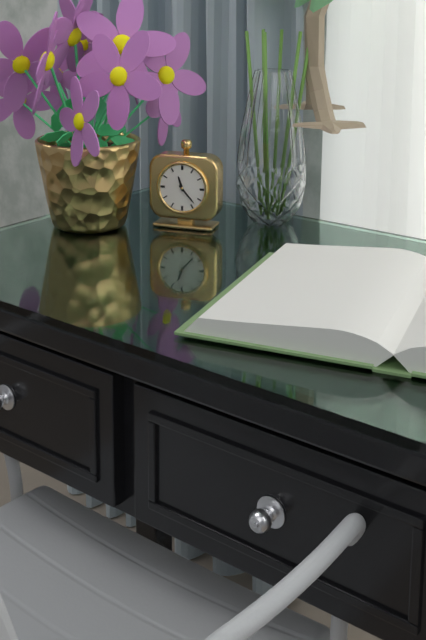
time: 11:23
